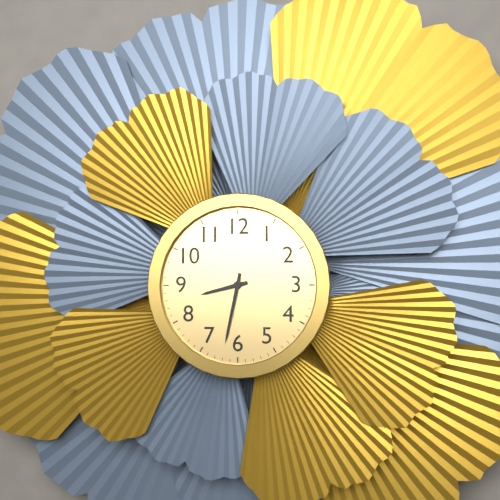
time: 8:32
